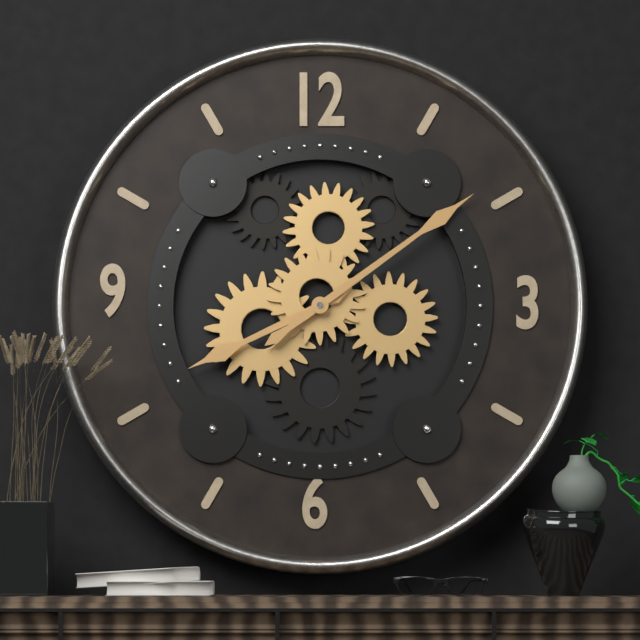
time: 8:09
